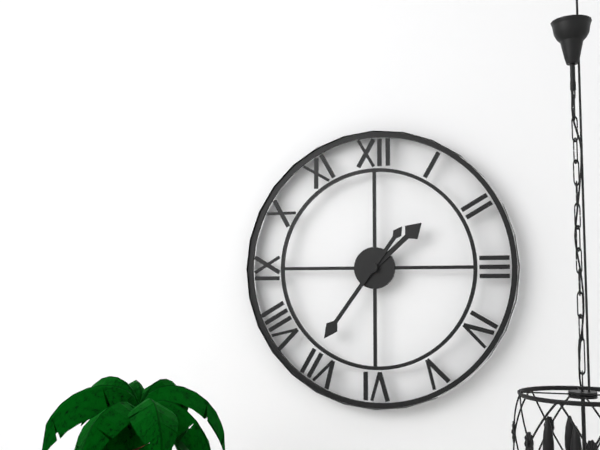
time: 1:36
